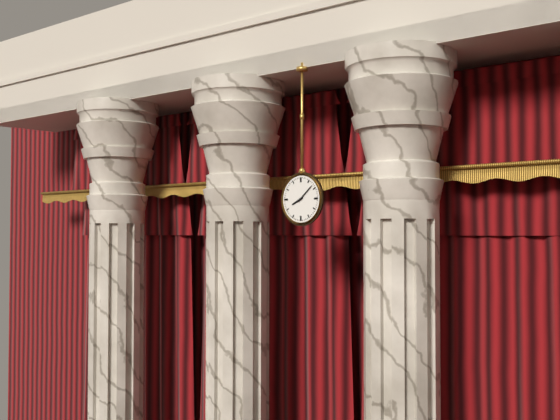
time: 8:08
